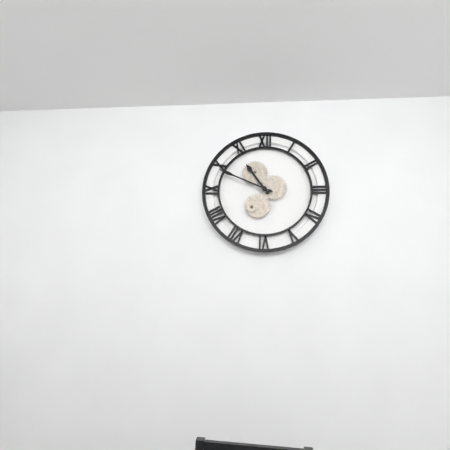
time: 10:49
